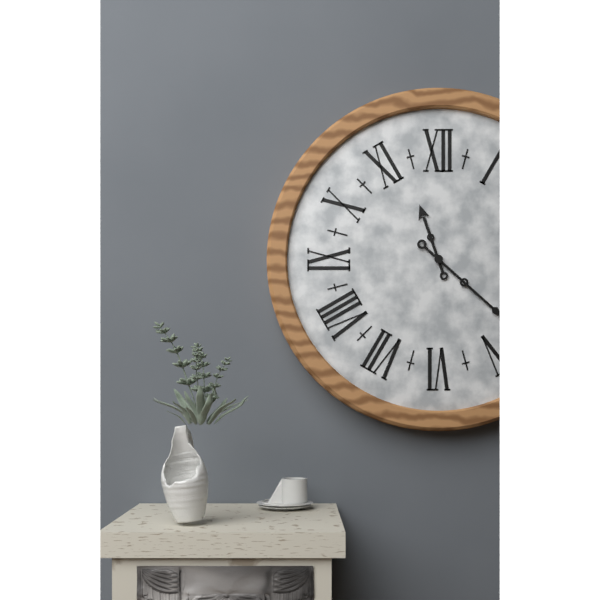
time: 11:22
